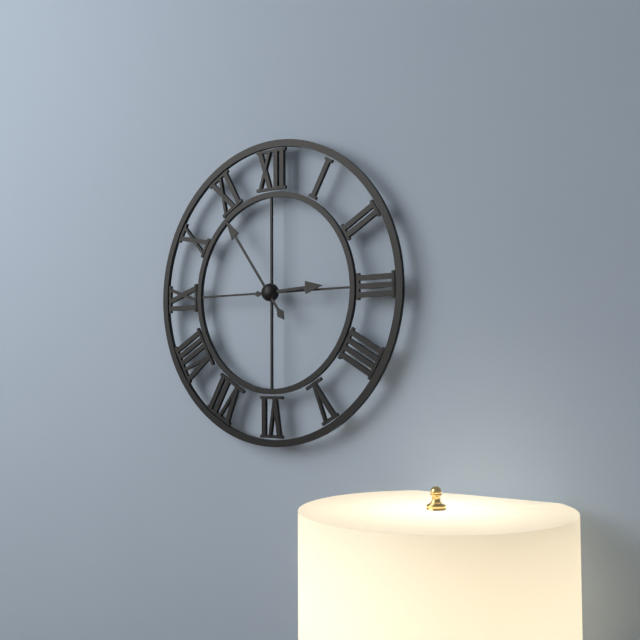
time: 2:54
